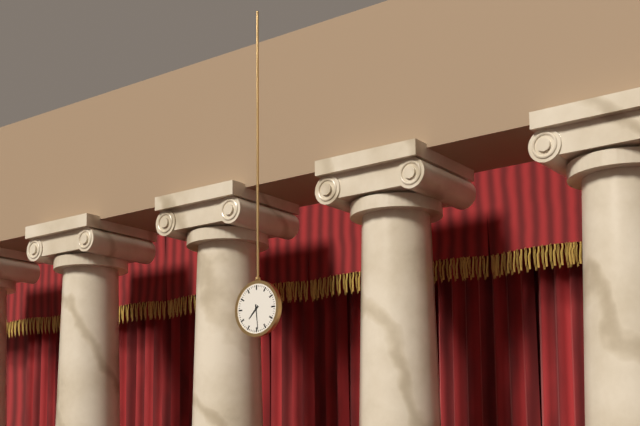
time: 7:29
